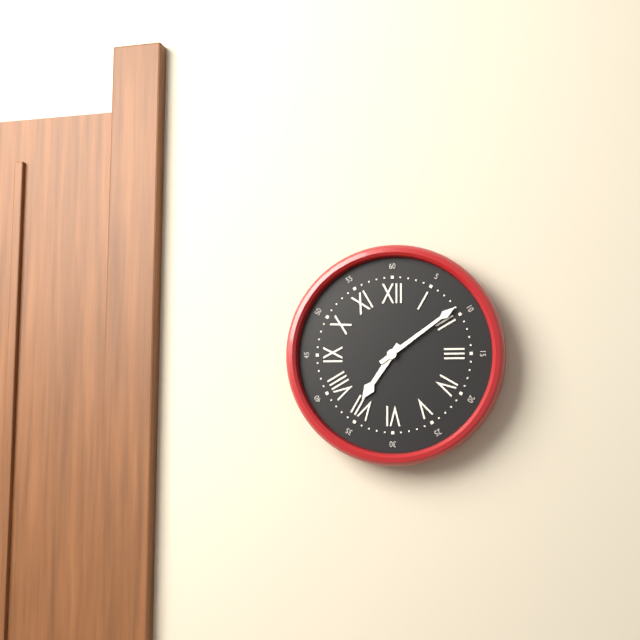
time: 7:09
